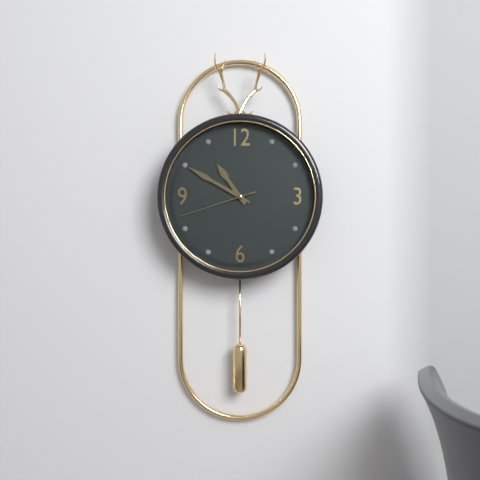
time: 10:50:42
